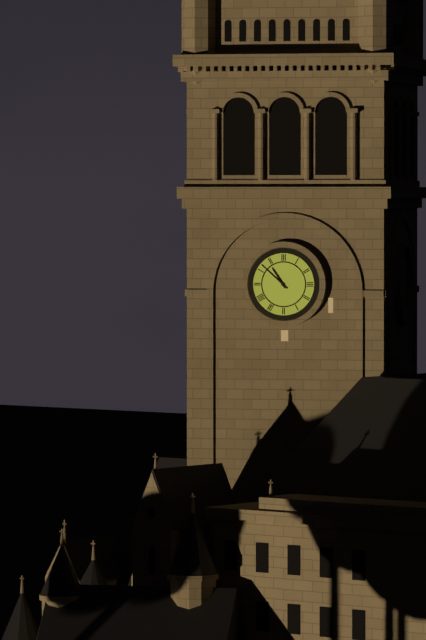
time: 10:52
